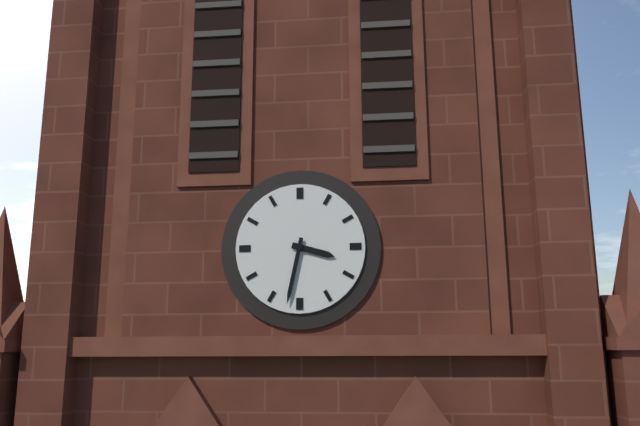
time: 3:32
